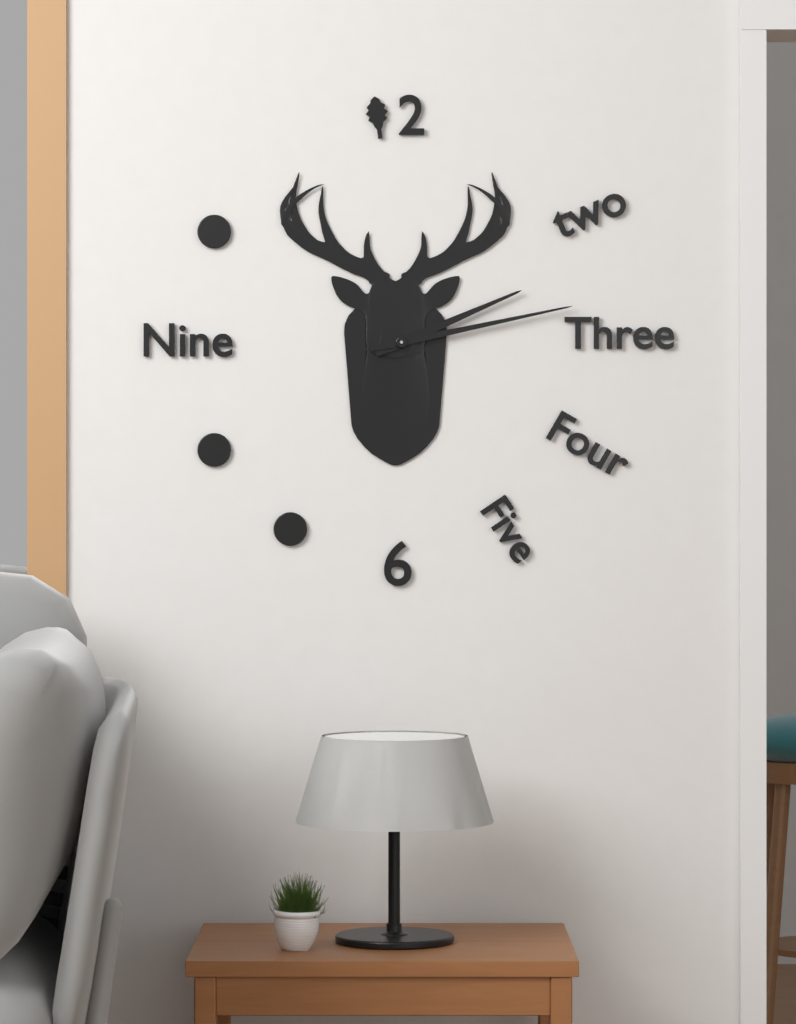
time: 2:13
